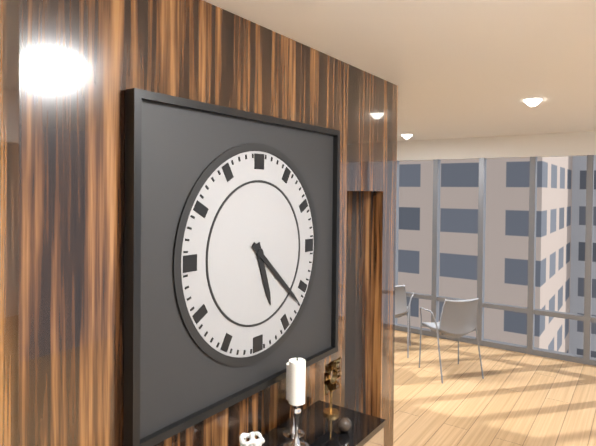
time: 5:22
